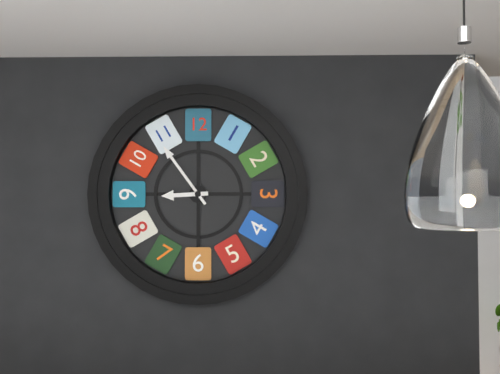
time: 8:54
